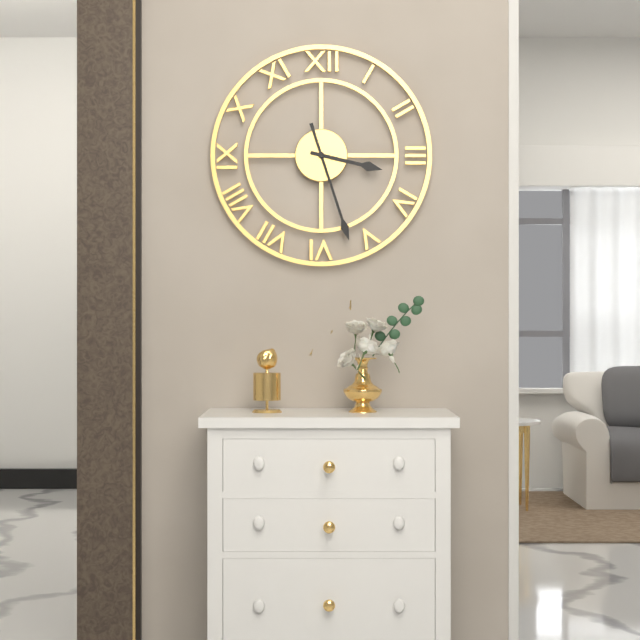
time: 3:27
